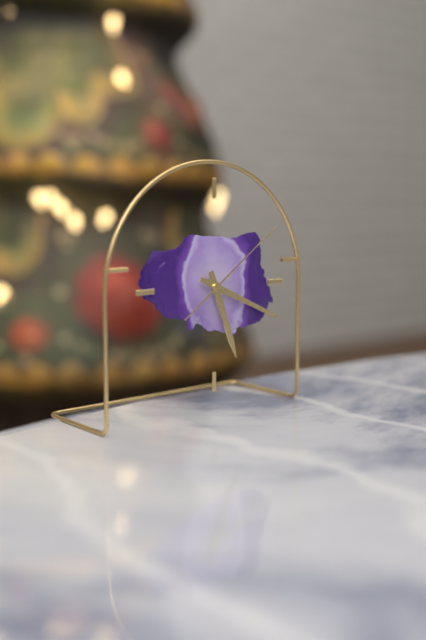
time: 5:19:09
